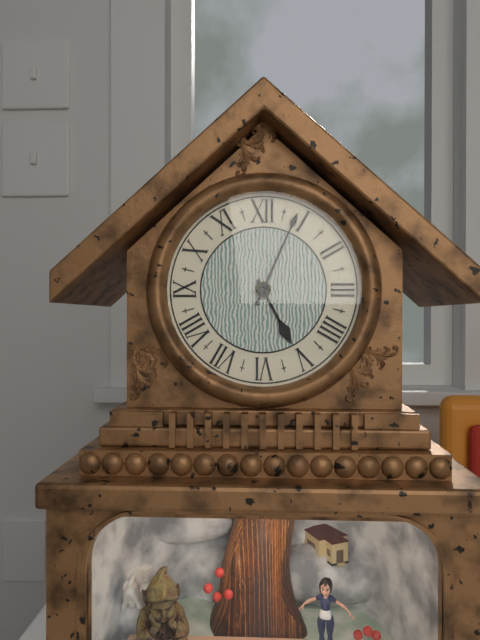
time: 5:04
